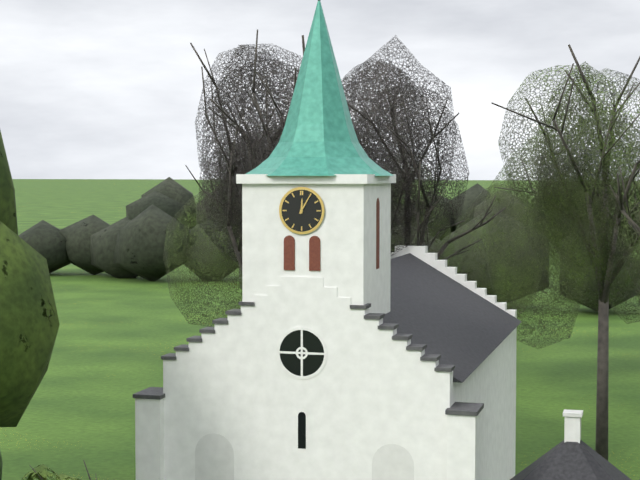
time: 12:05
